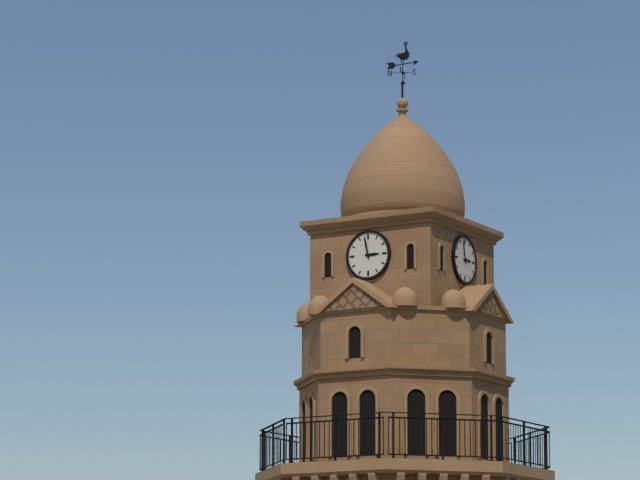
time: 2:58
